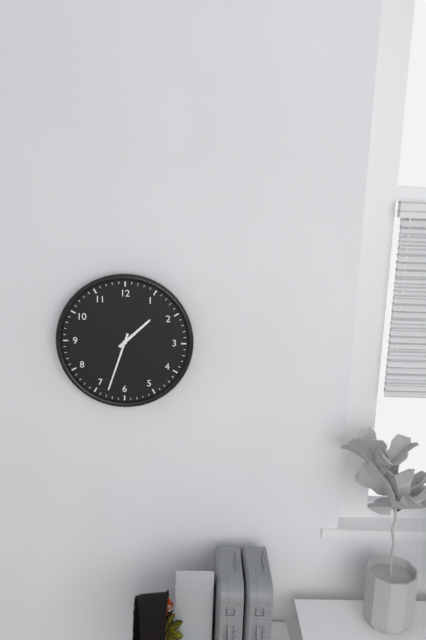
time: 1:33
